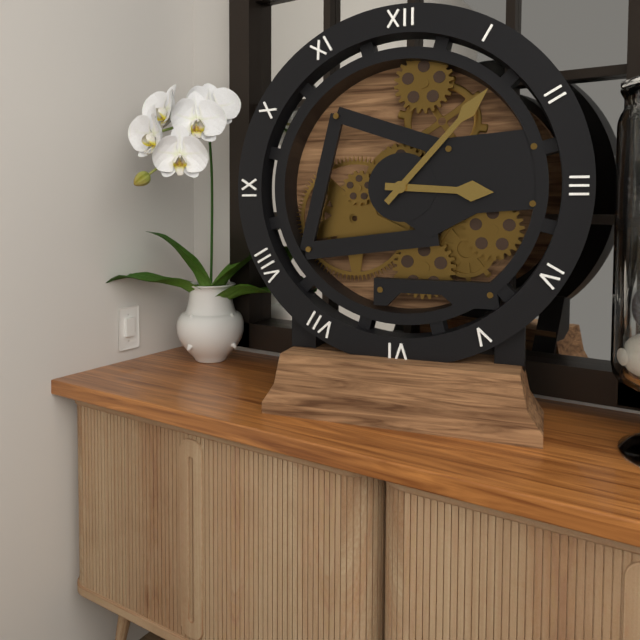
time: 3:07
